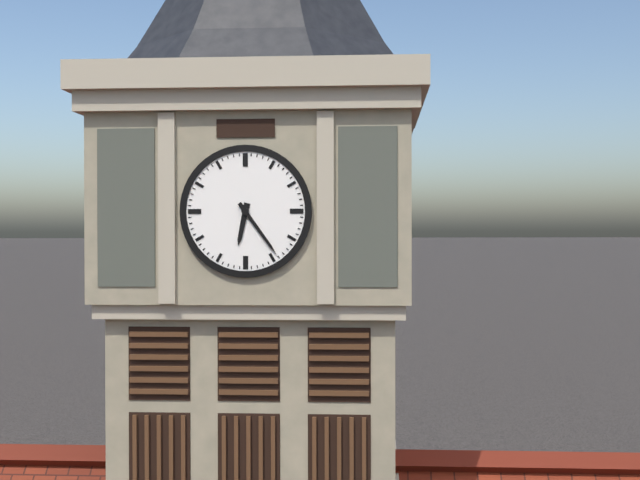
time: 6:24
